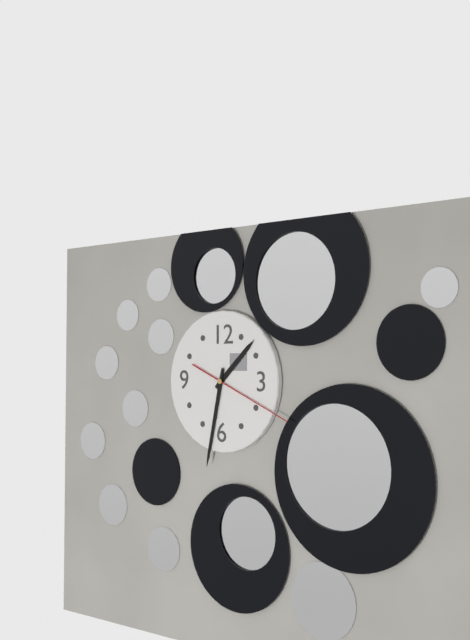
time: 1:32:19
